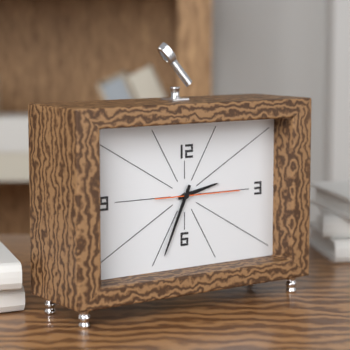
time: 2:34:15
